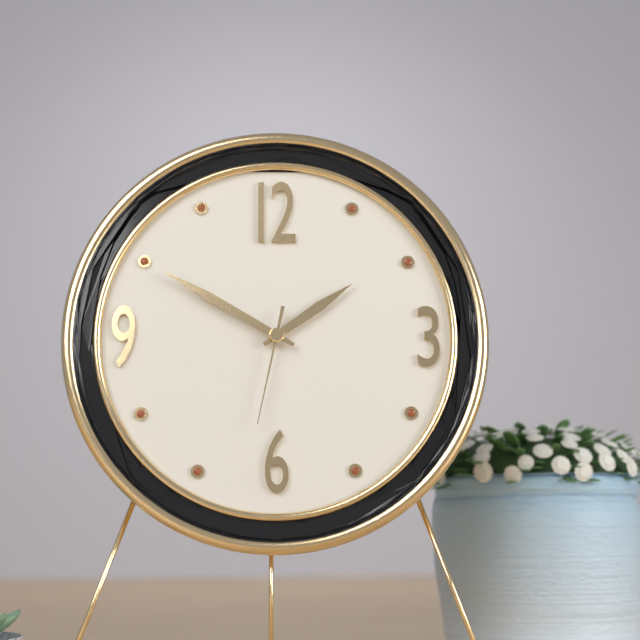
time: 1:50:32
